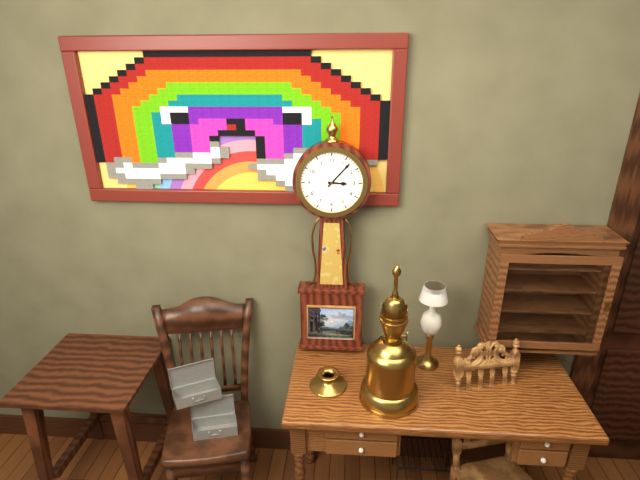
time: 3:07
